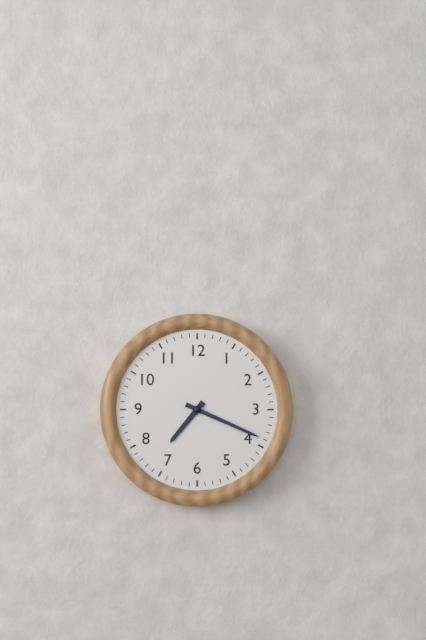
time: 7:19
